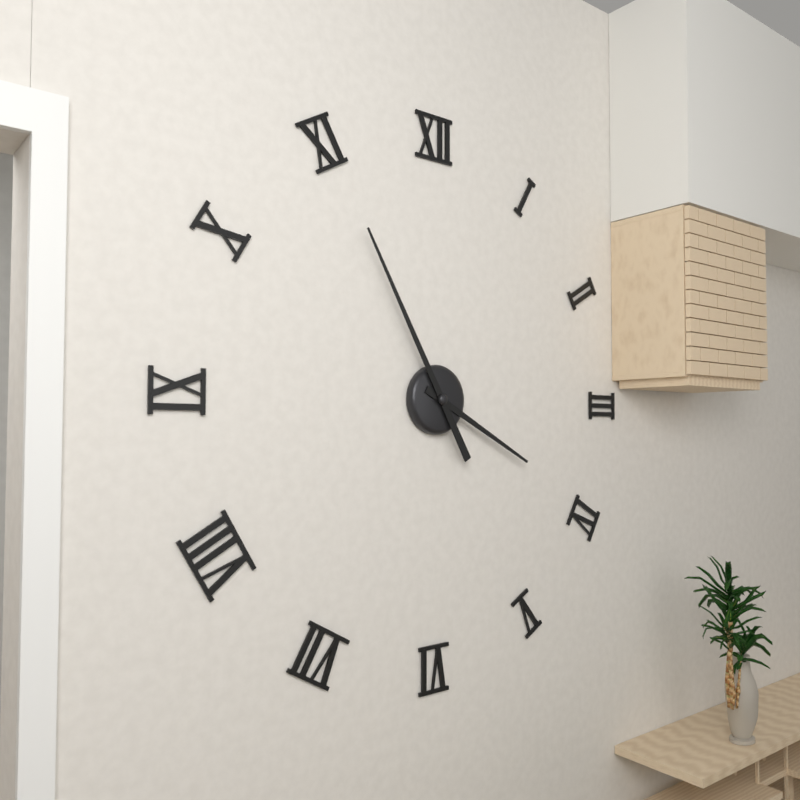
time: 3:55
